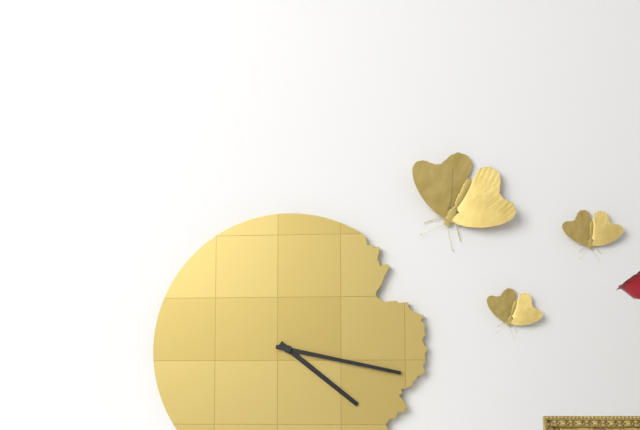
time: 4:17
